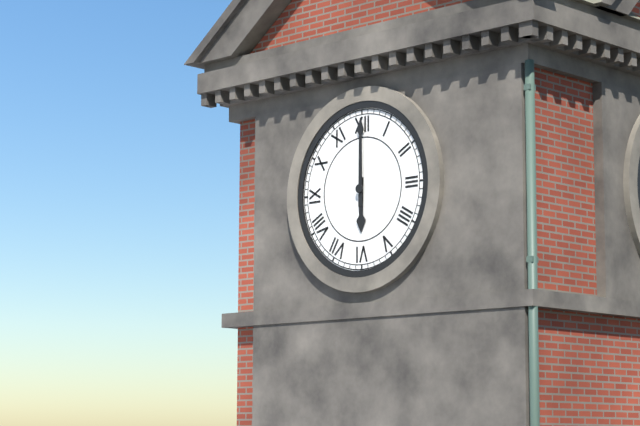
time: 6:00
